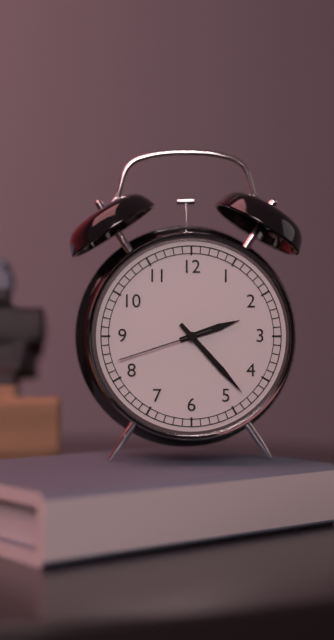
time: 2:23:42
